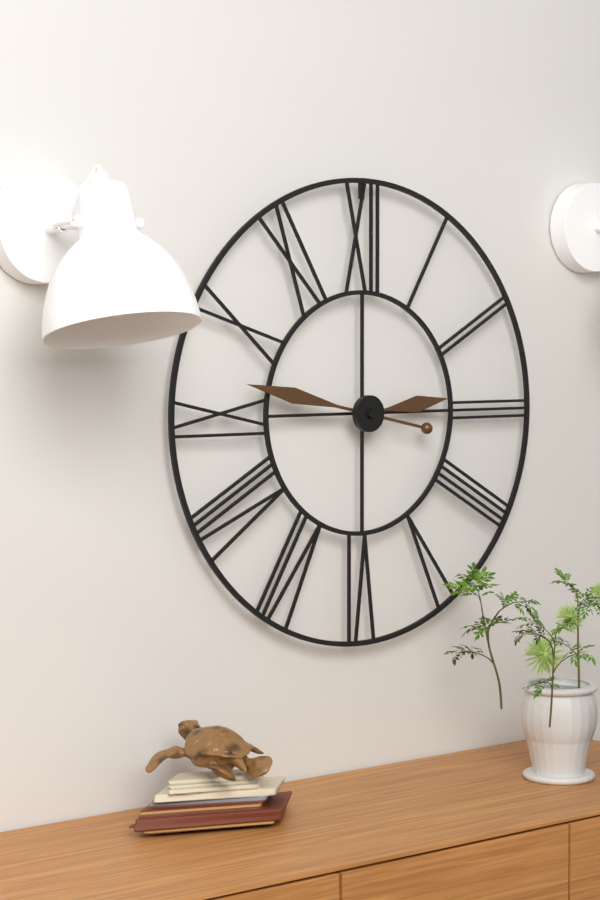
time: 2:47
